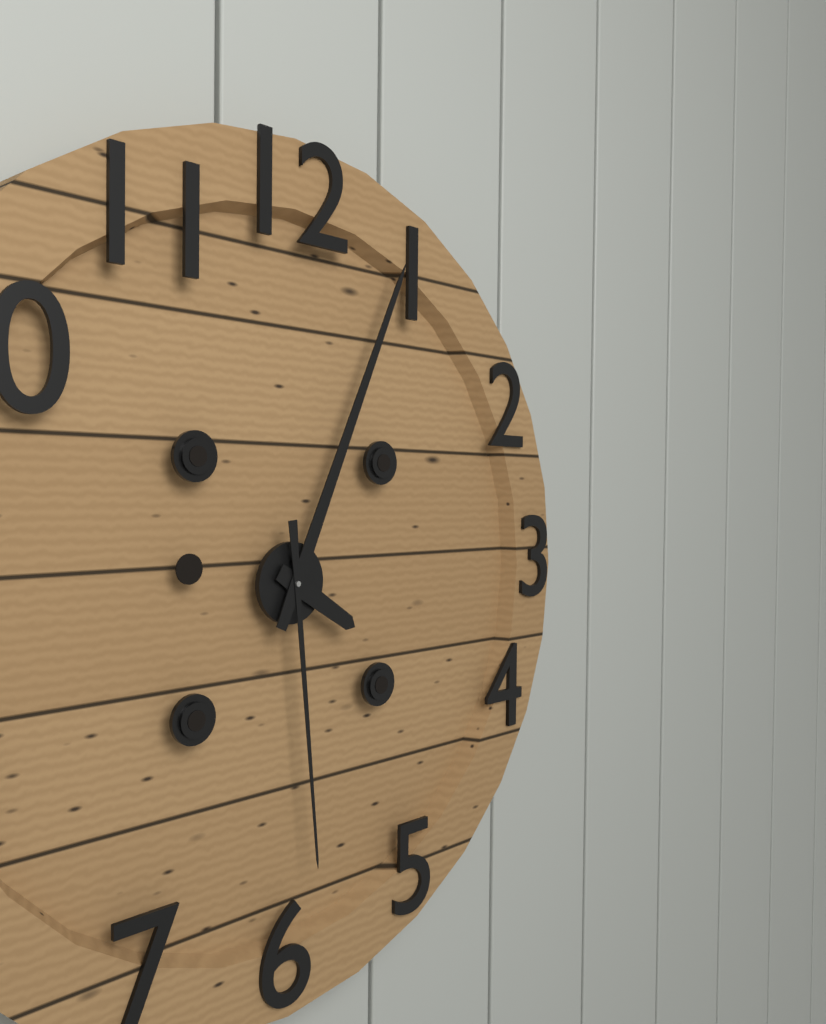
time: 4:04:29
